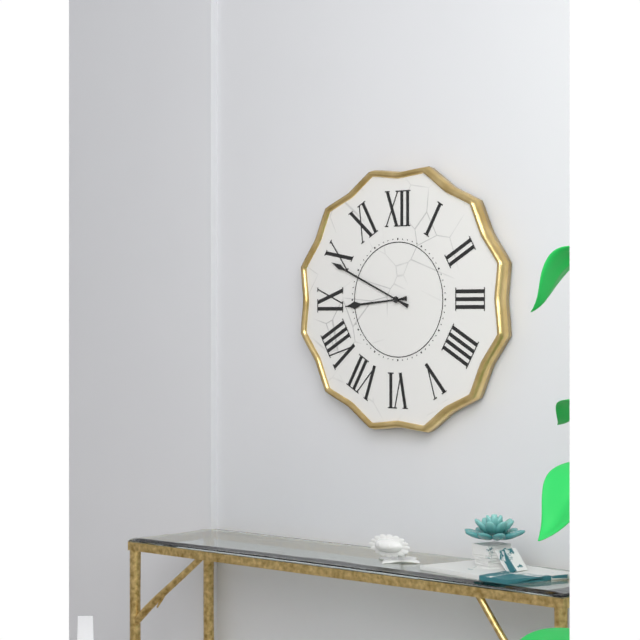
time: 8:49
